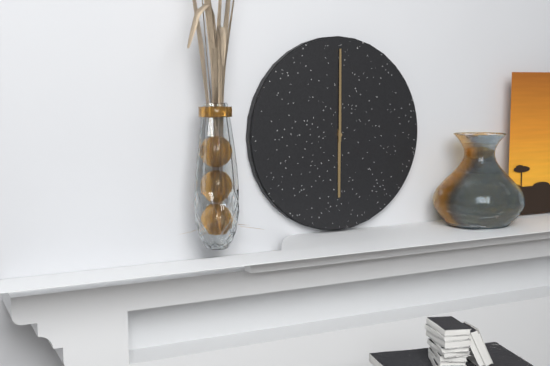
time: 6:00
